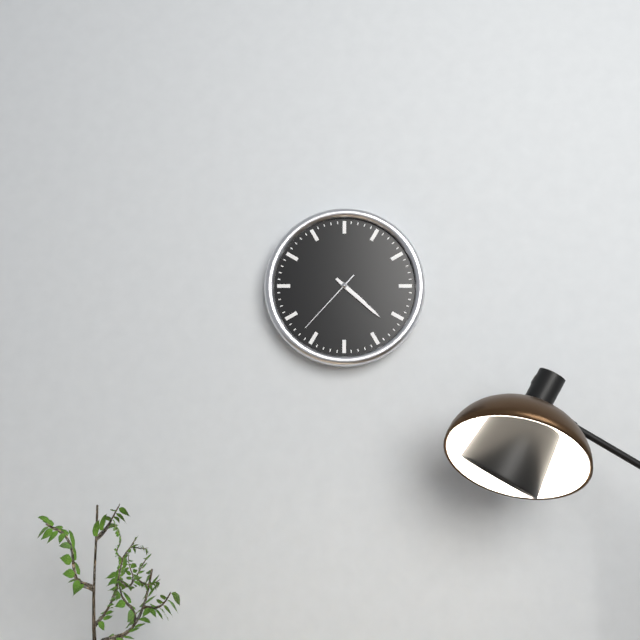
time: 4:22:37
